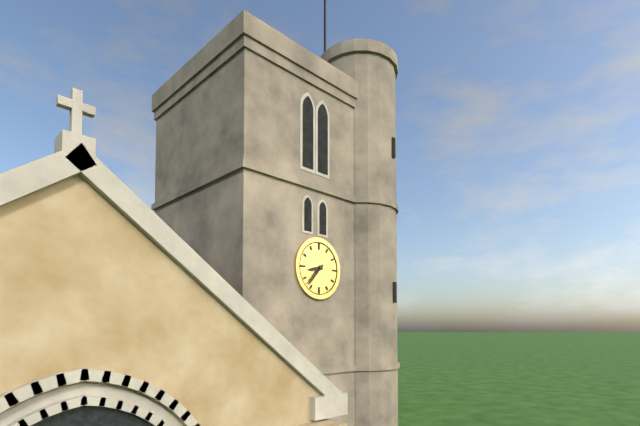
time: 8:37
